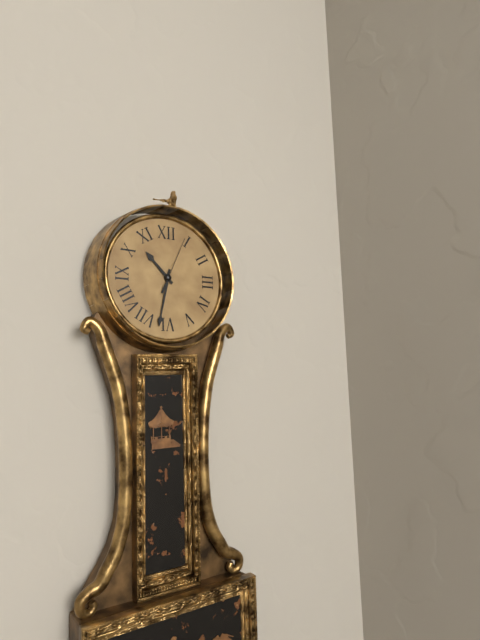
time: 10:32:04
